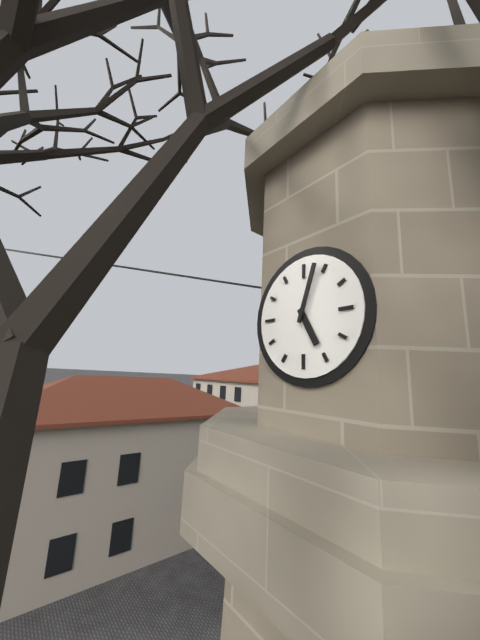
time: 5:03
